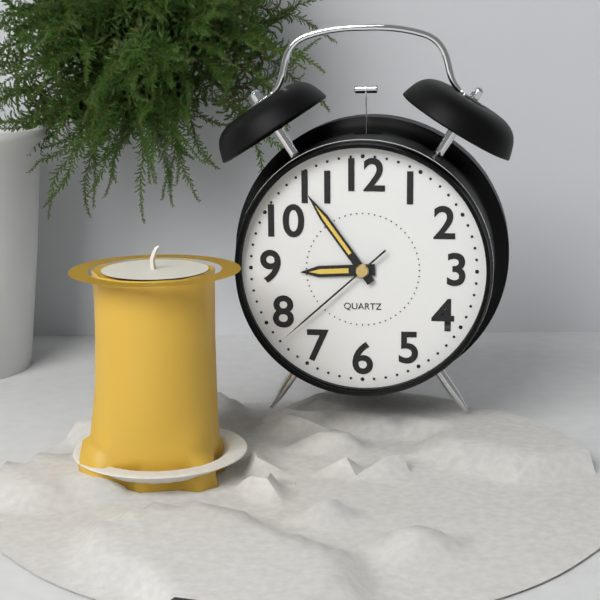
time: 8:54:38
